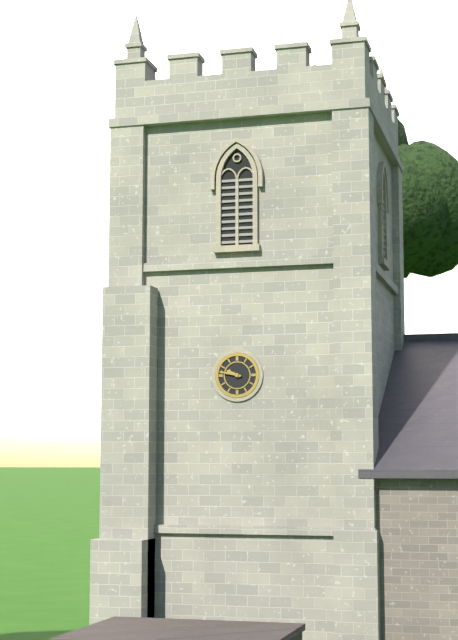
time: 9:47
